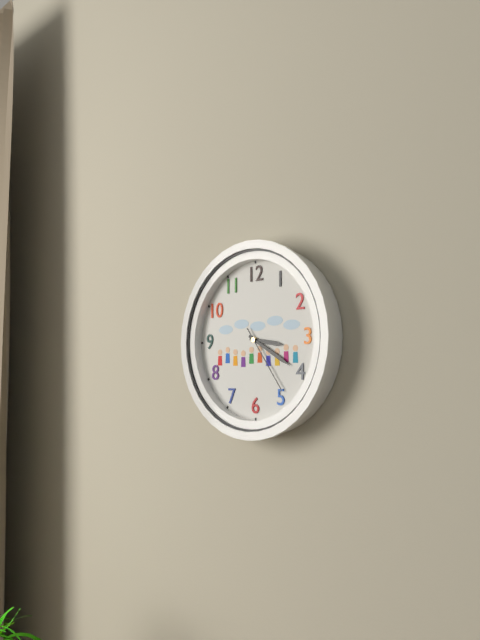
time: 3:20:24
